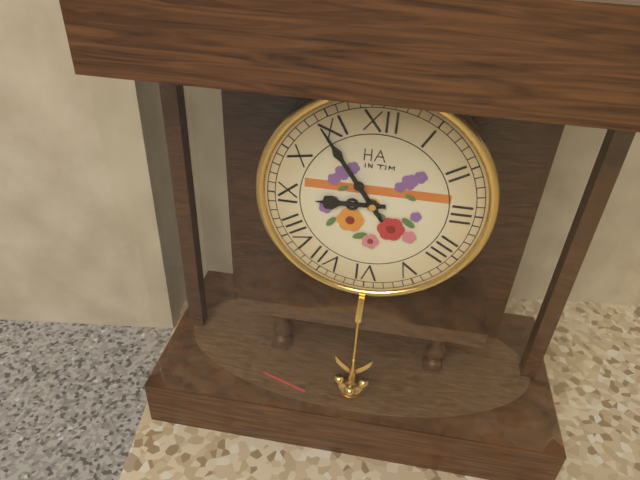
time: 8:54
